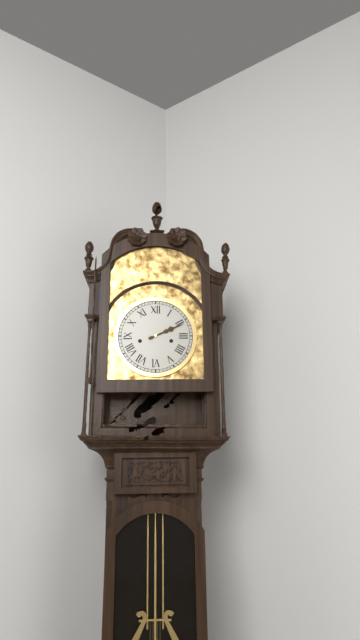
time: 2:11
